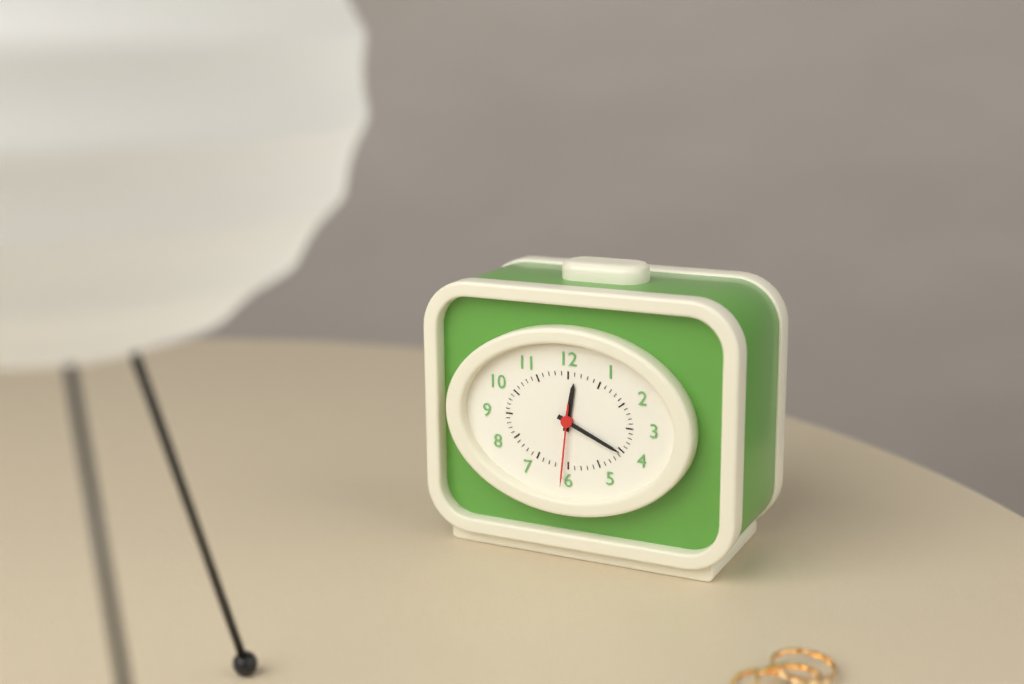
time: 12:19:31
